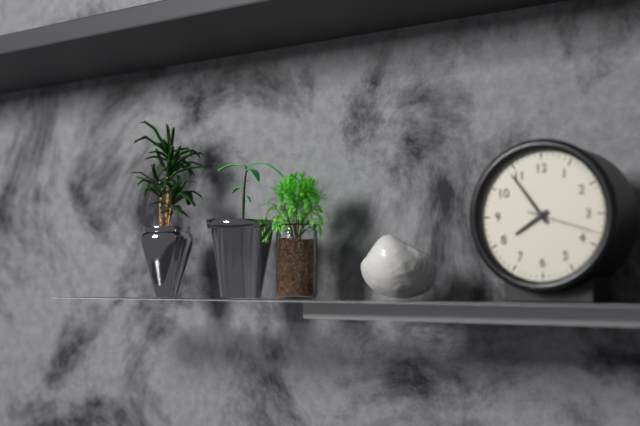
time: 7:54:18
